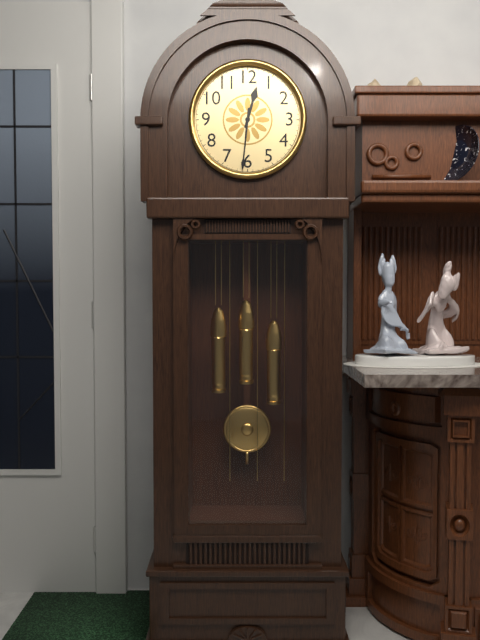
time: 12:31
